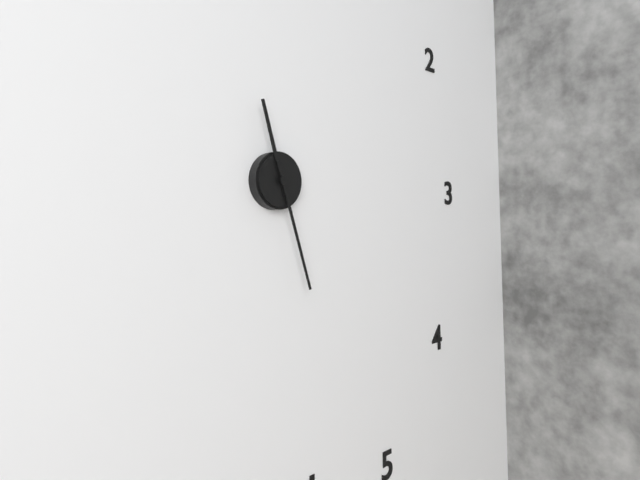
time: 11:27
